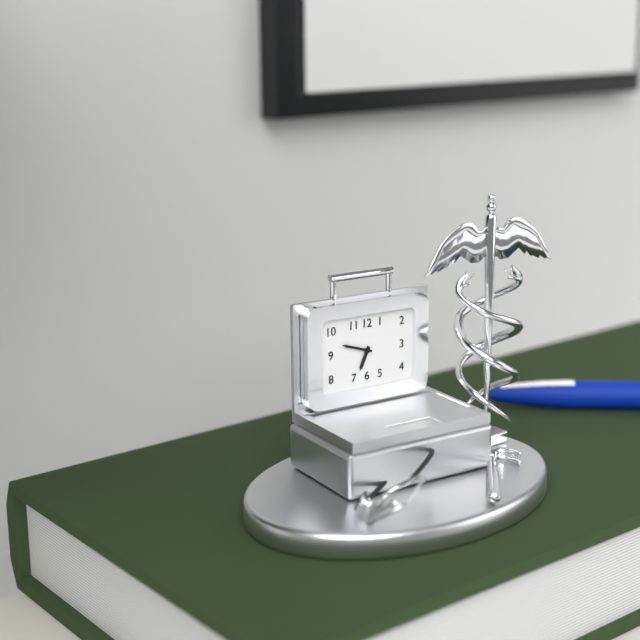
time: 6:48
